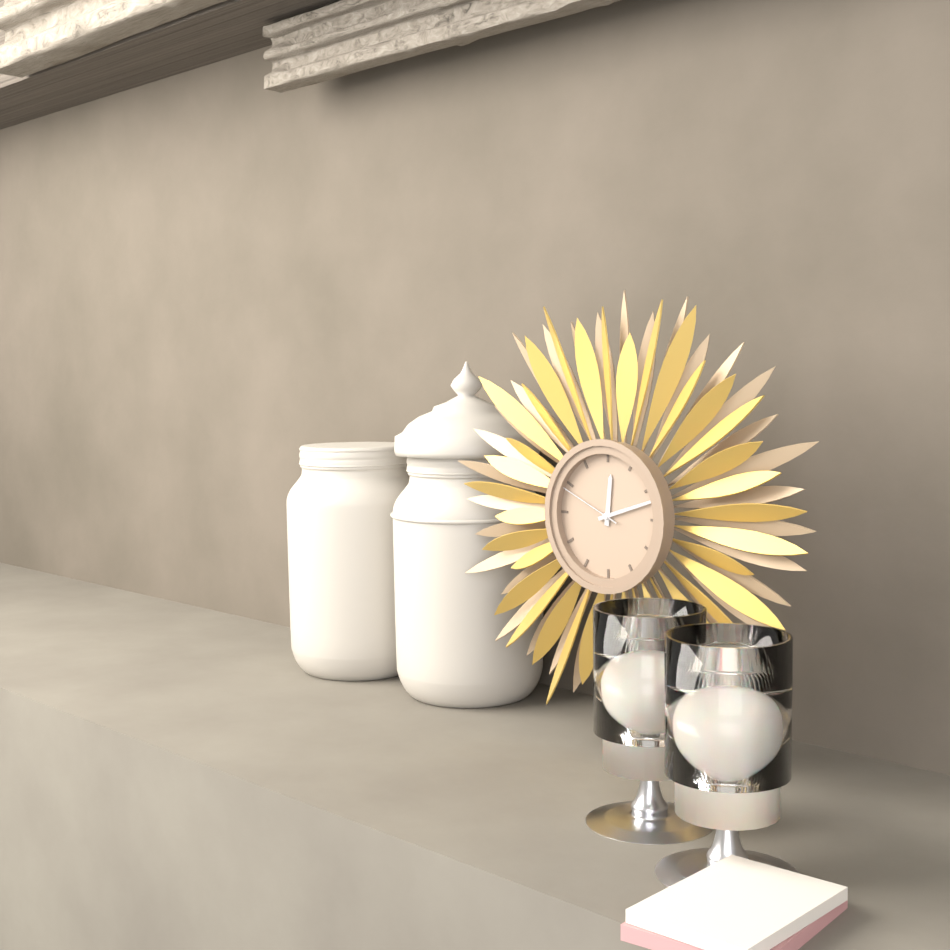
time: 12:12:49
